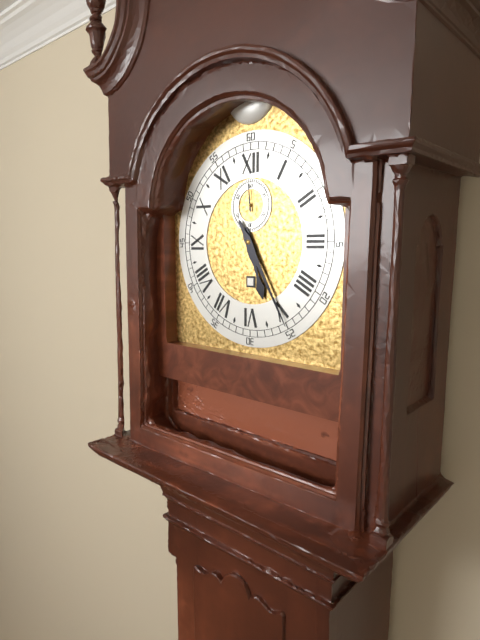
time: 5:25
